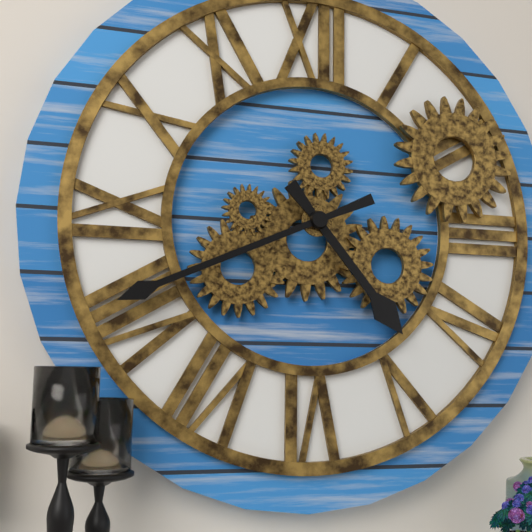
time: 4:41
